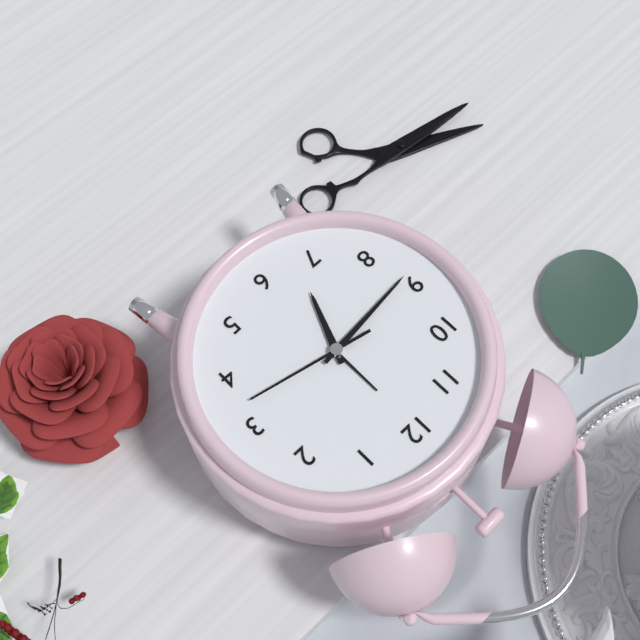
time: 6:44:17
